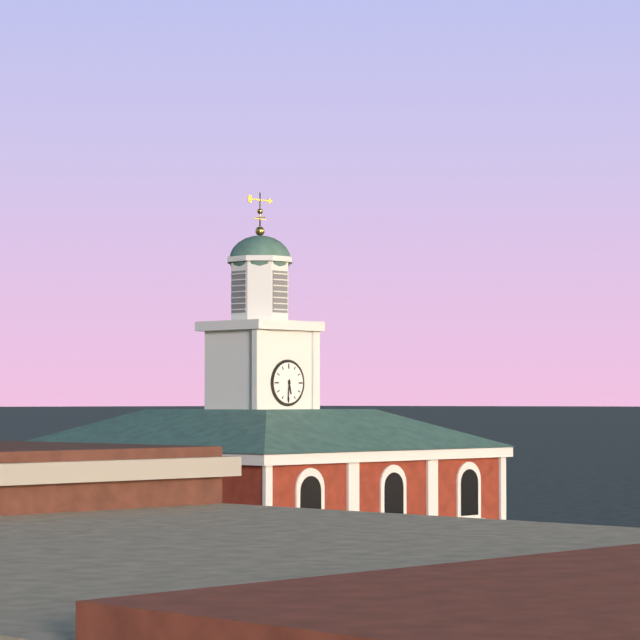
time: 5:31
